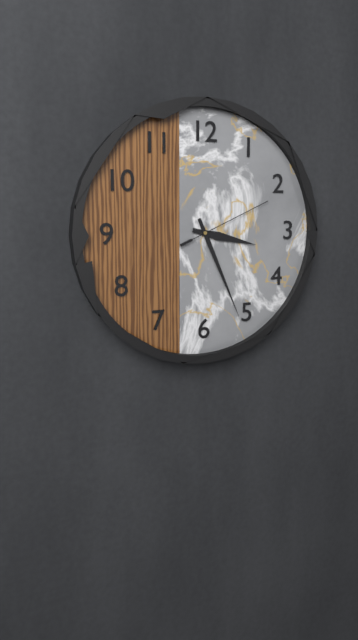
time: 3:26:11
